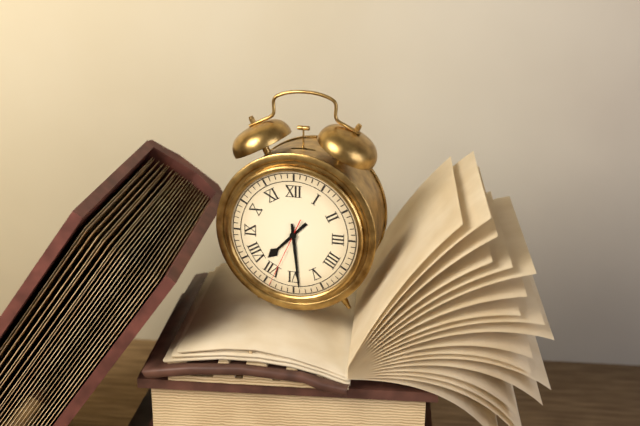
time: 7:29:34
